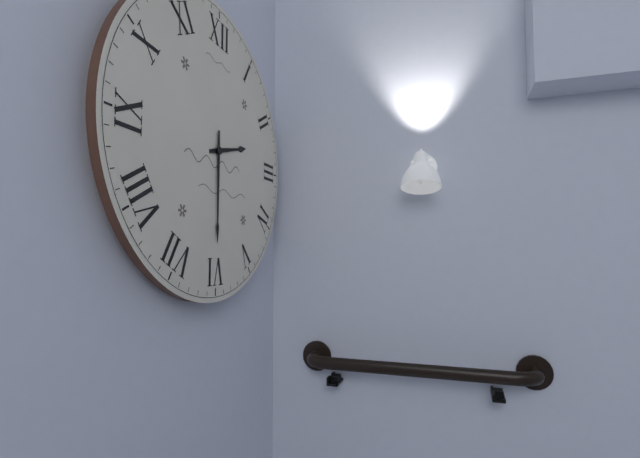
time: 2:30
